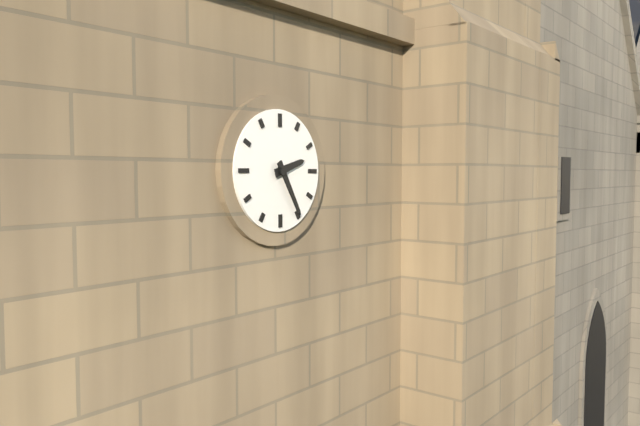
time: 2:25
